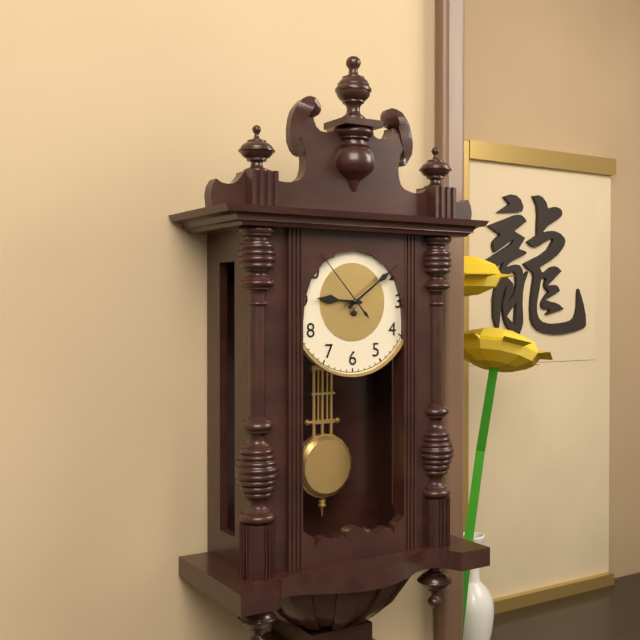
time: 9:09:53
